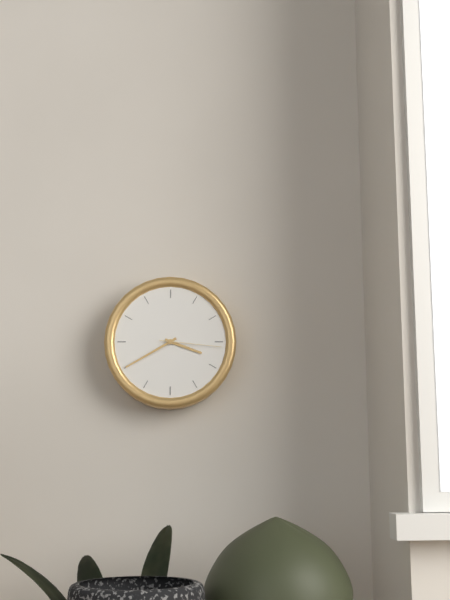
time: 3:40:16
